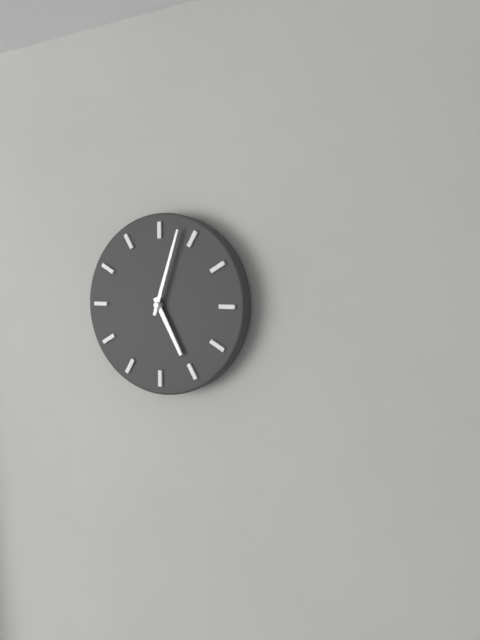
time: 5:03
